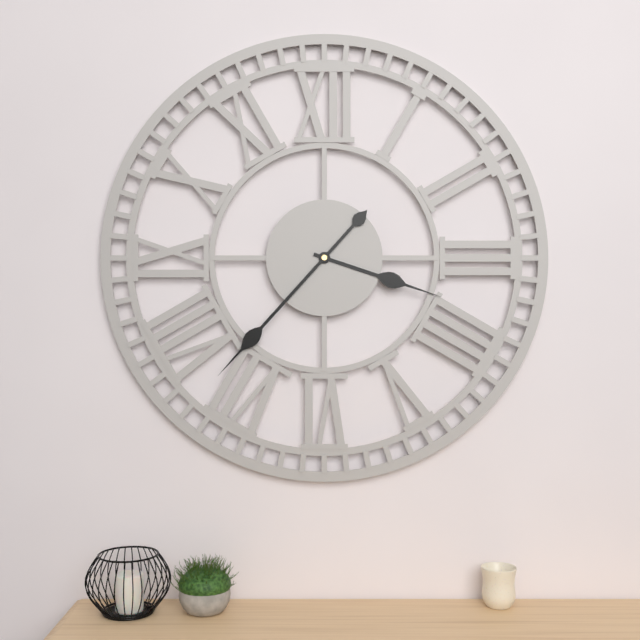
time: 3:37
